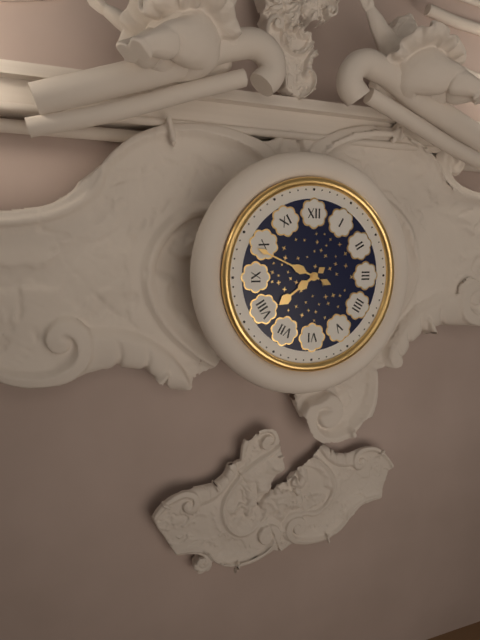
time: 7:49
